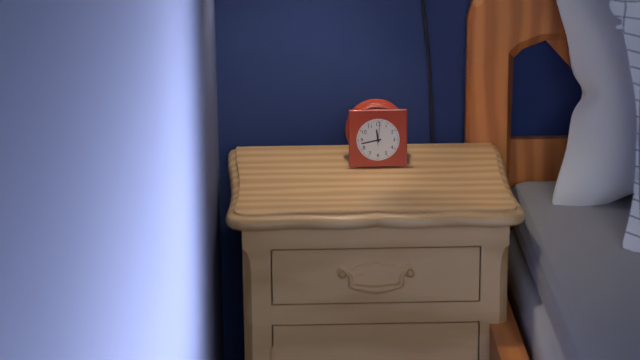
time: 11:43
